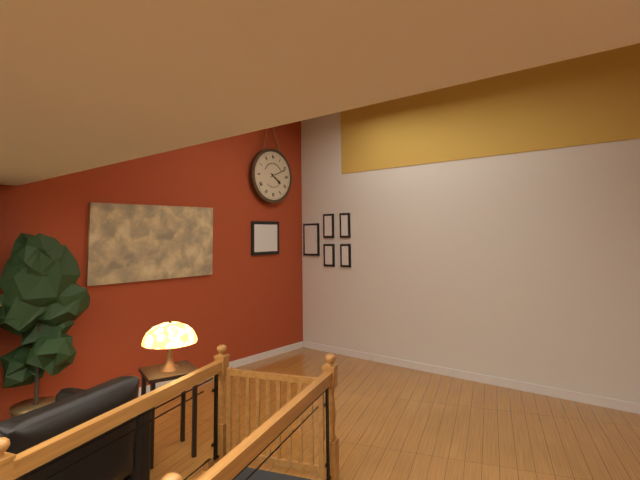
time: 4:11
